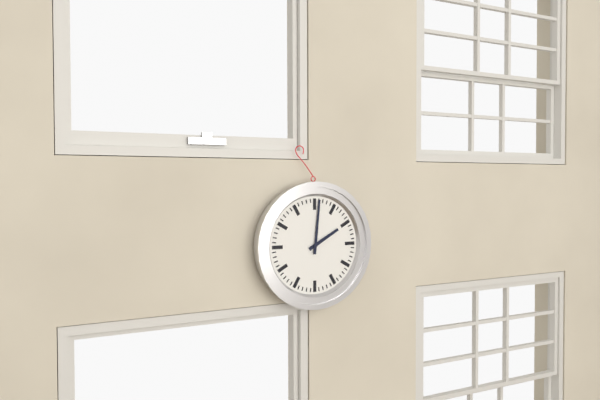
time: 2:01
